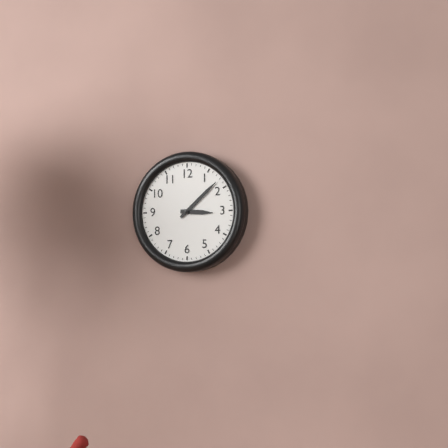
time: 3:08
